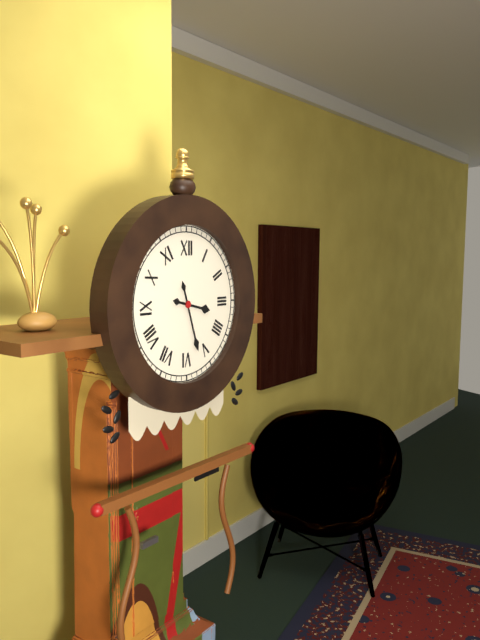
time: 3:27
